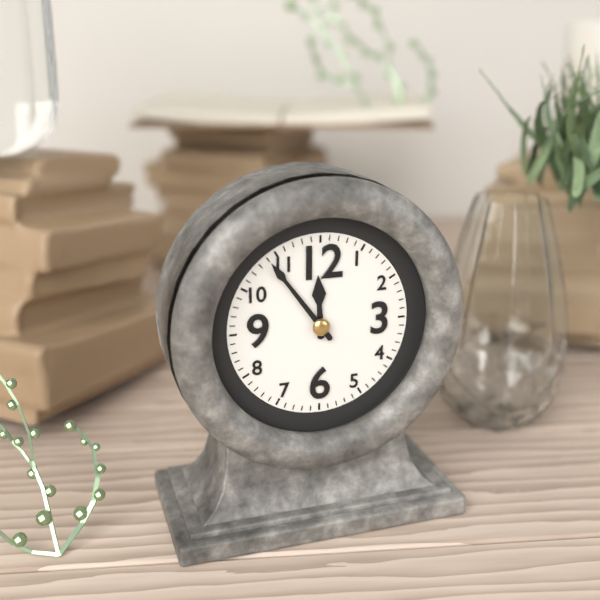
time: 11:54
